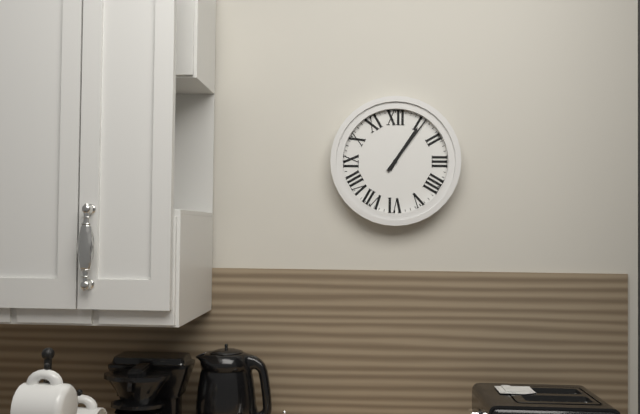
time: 1:06
